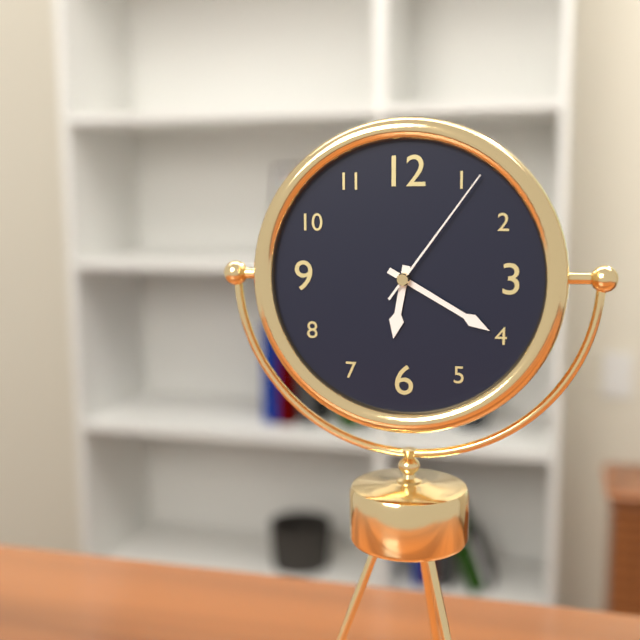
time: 6:20:06
